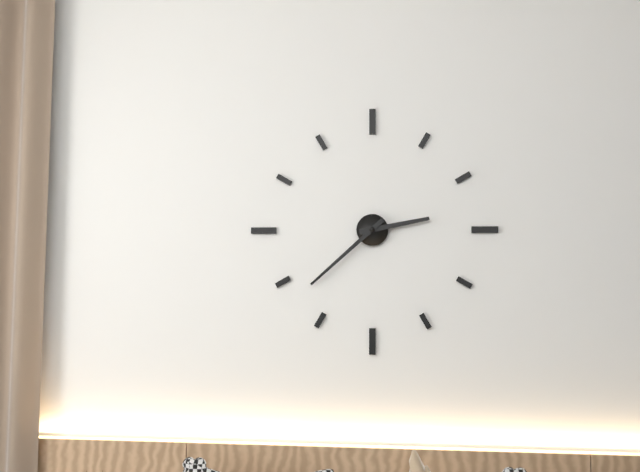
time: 2:38
